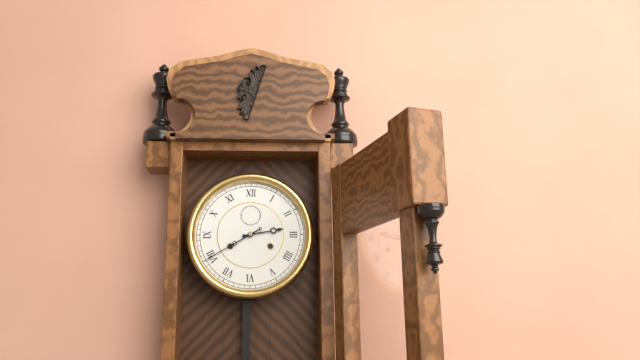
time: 2:40
